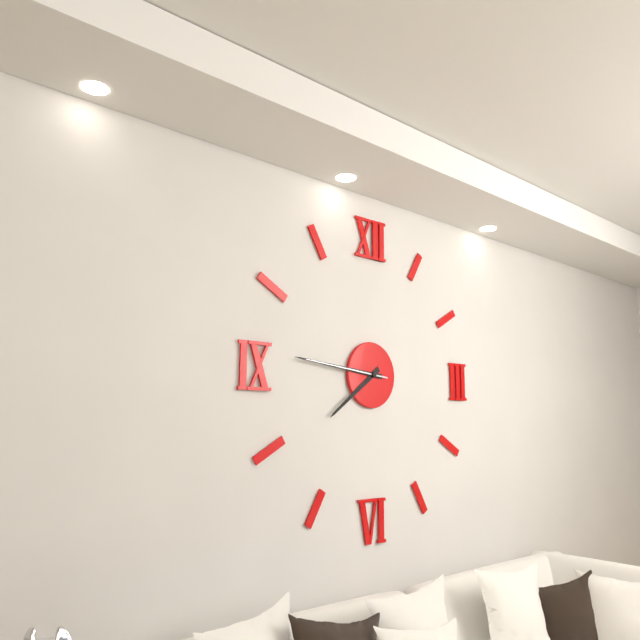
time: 7:46:46
